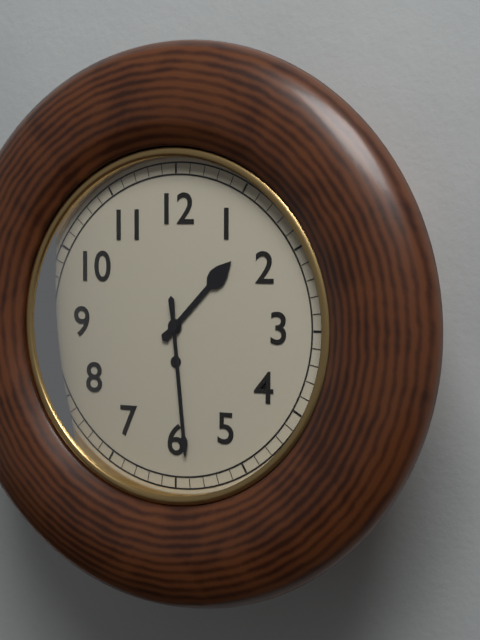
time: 1:29
